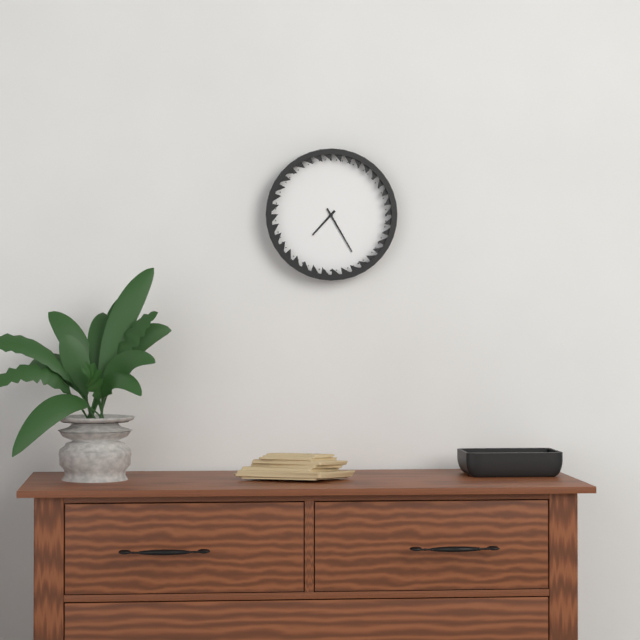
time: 7:25
